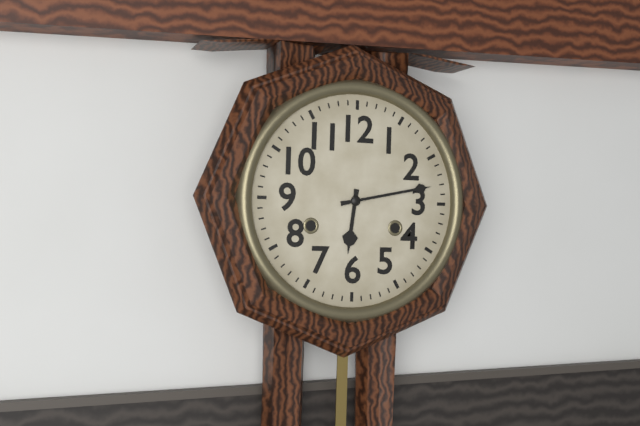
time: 6:13
